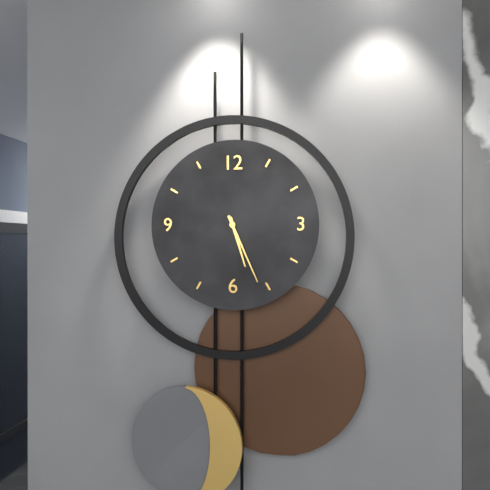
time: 5:26
